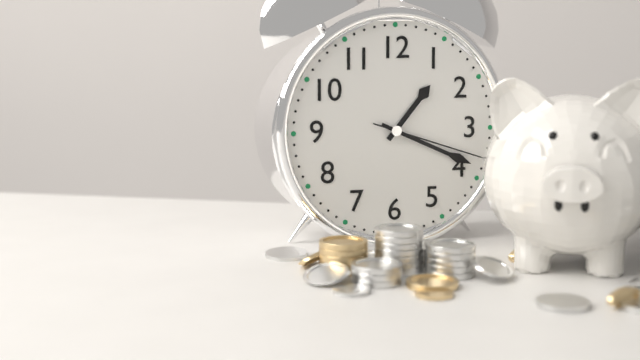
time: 1:19:18
